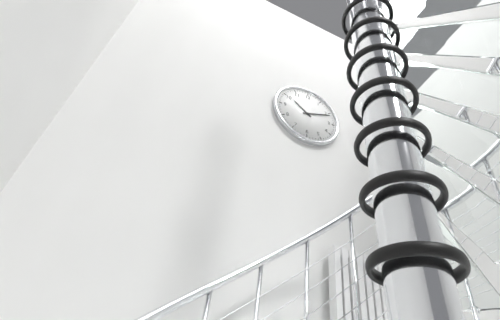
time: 10:11
